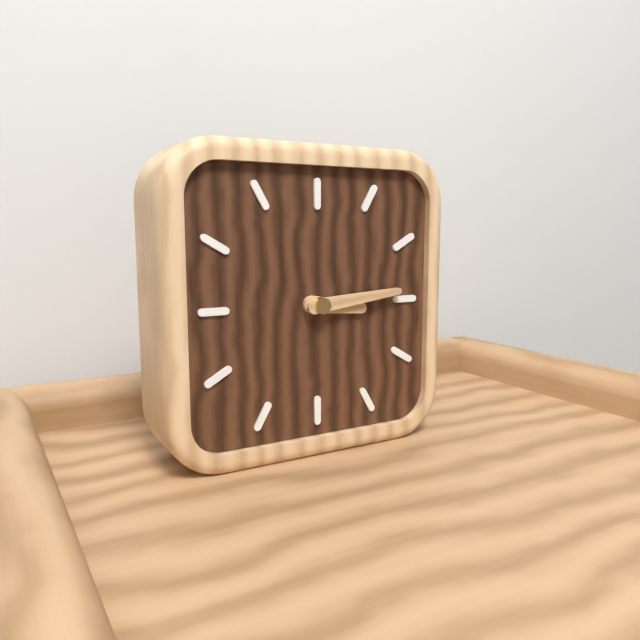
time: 3:14
